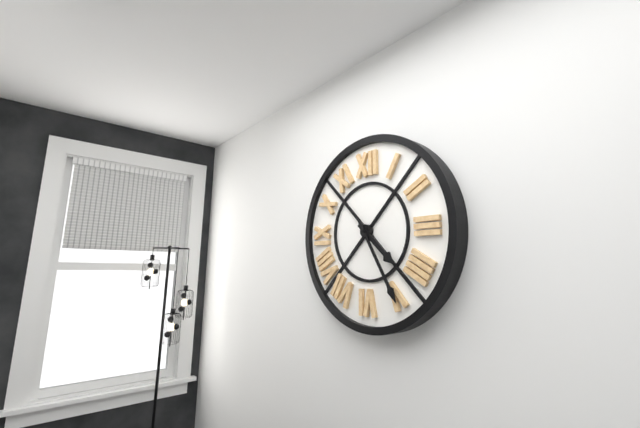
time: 4:25
